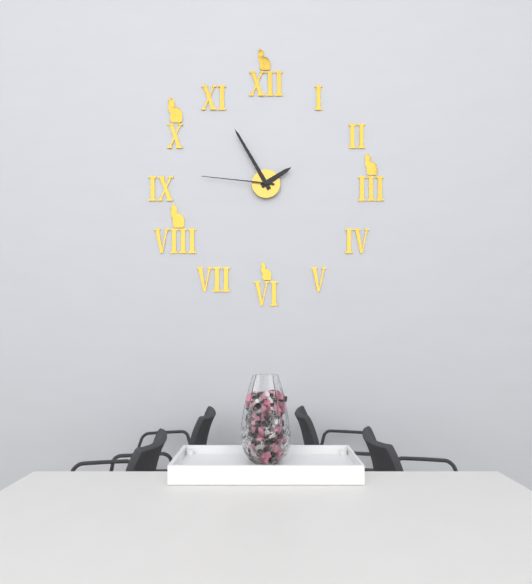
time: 1:55:46
